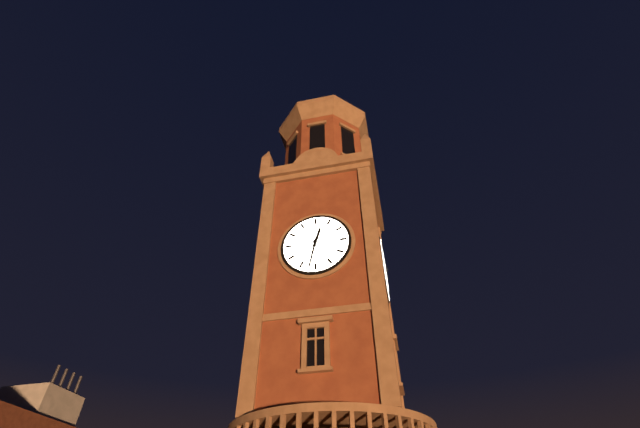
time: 12:32
